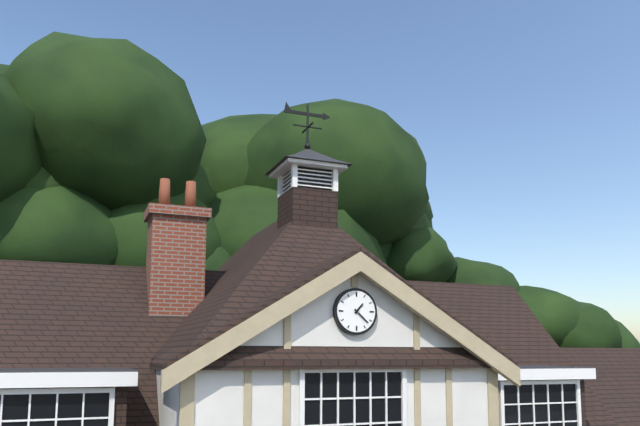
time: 1:22
